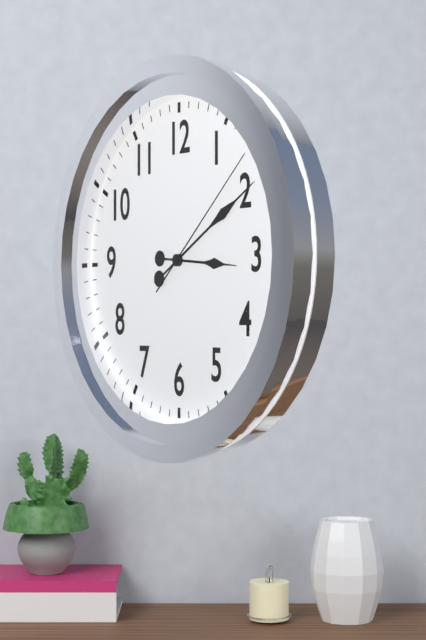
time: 3:10:08
